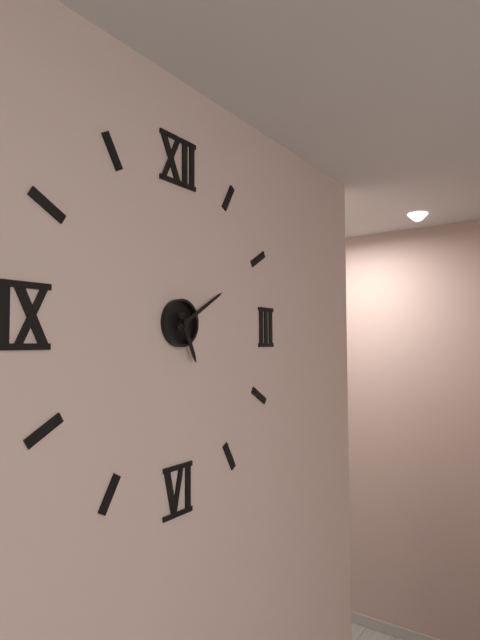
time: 5:10
